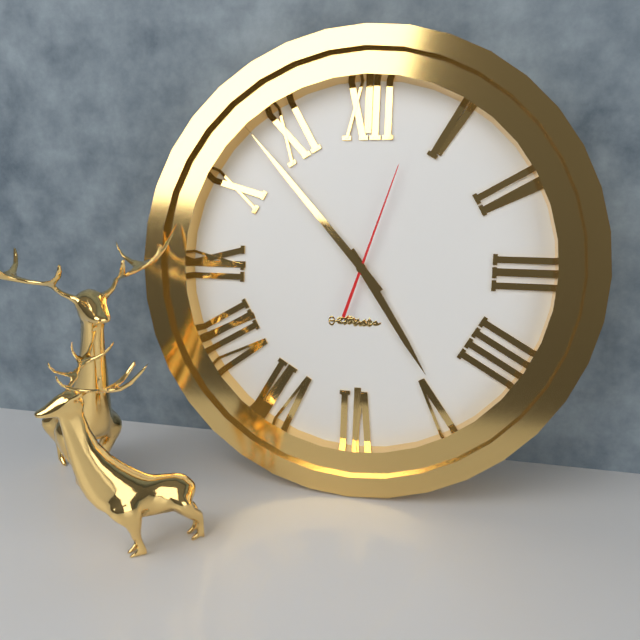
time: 4:53:03
